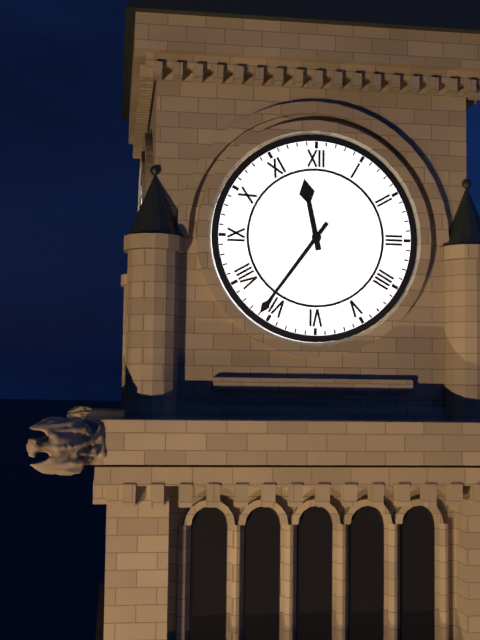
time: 11:36
